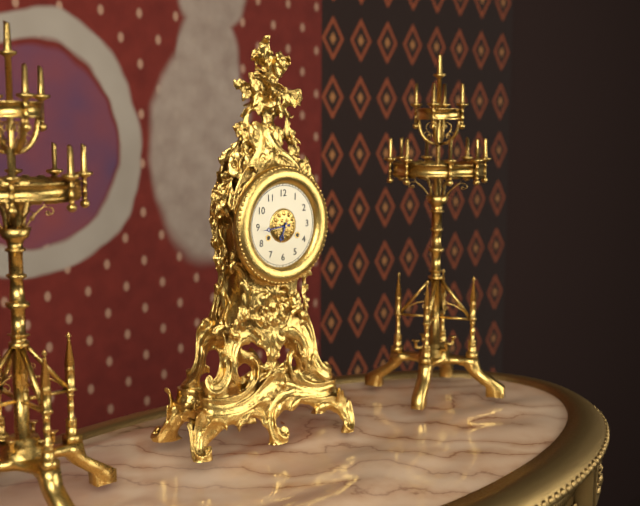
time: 6:44
